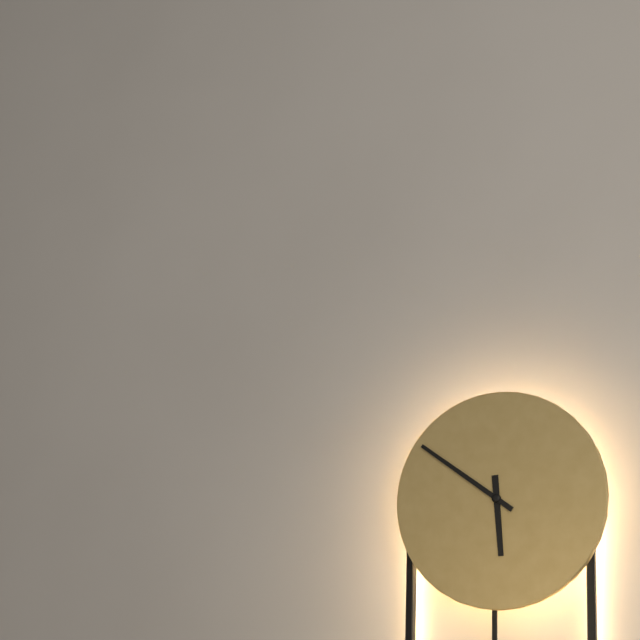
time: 5:51
